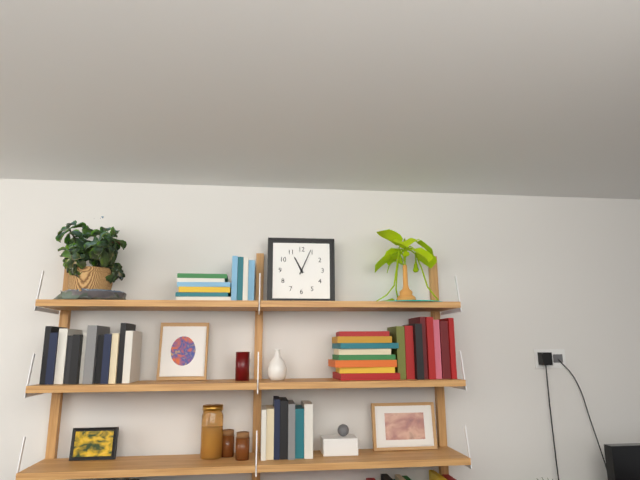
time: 11:04
